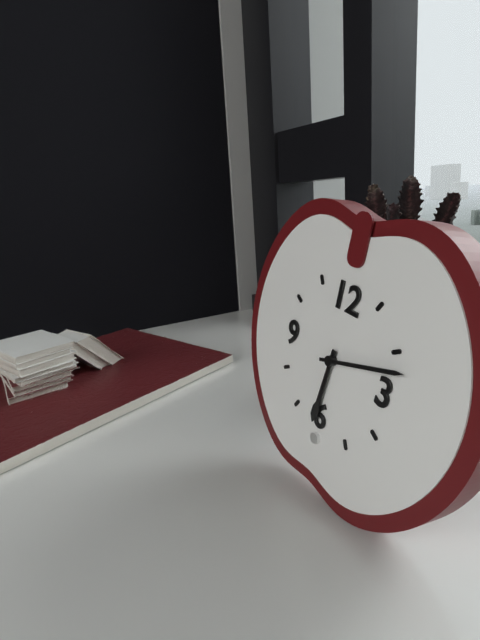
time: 6:12
